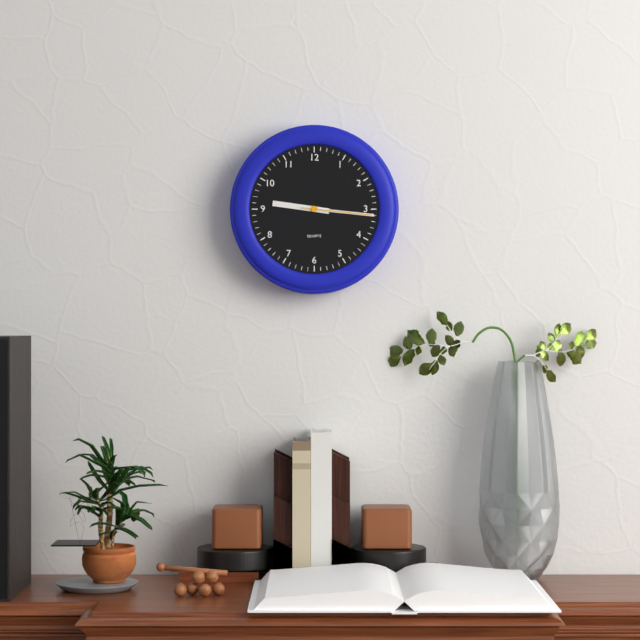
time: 9:16:16
